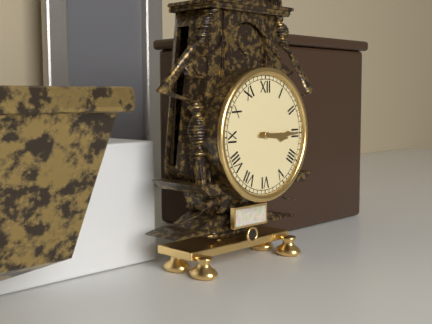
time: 3:15
